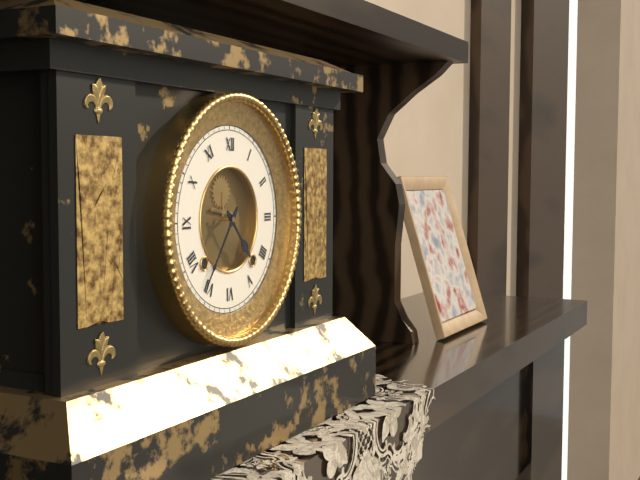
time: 4:36
